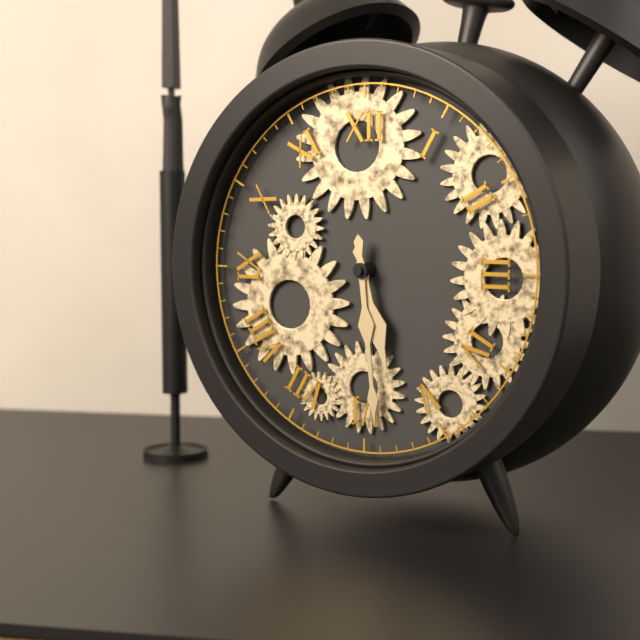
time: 5:29
